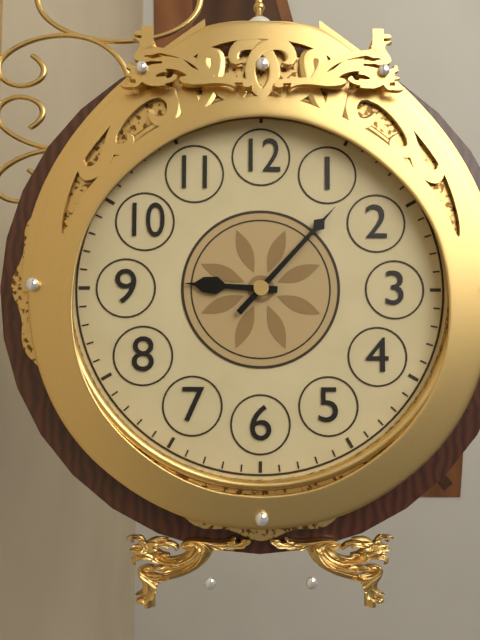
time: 9:07
